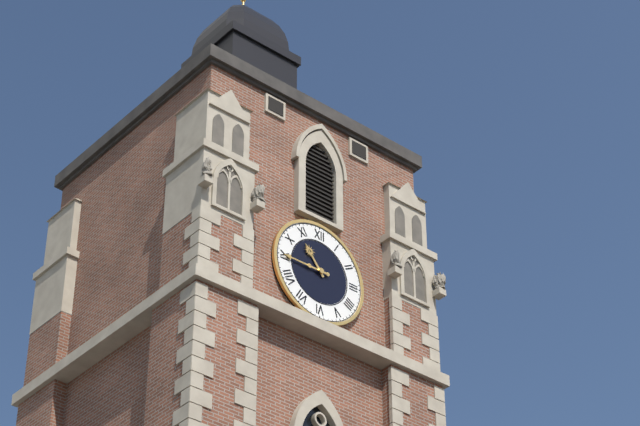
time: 10:45
